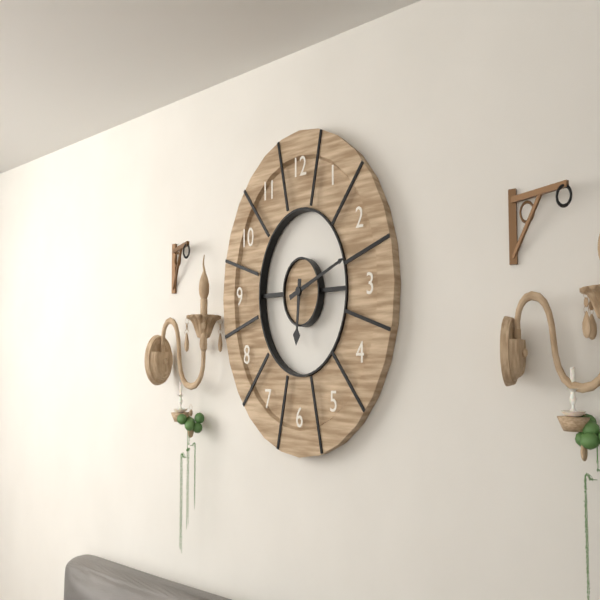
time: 6:12
